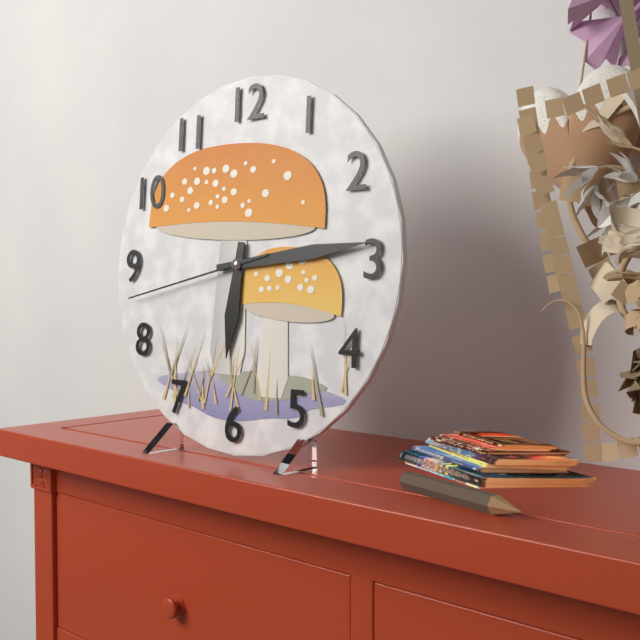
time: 6:14:43
